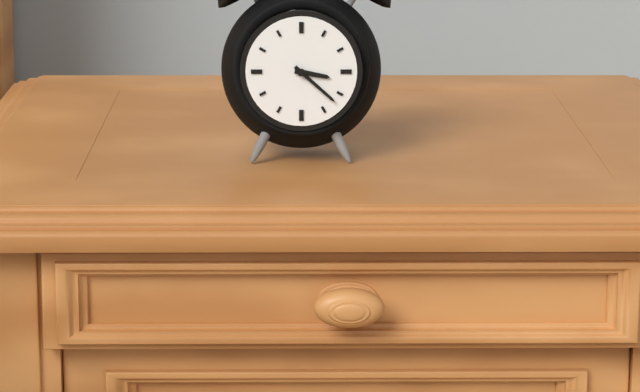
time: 3:22
